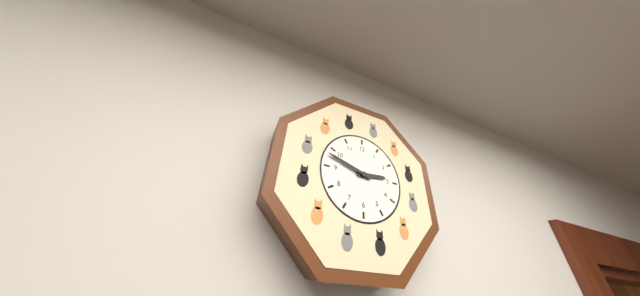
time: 2:48
